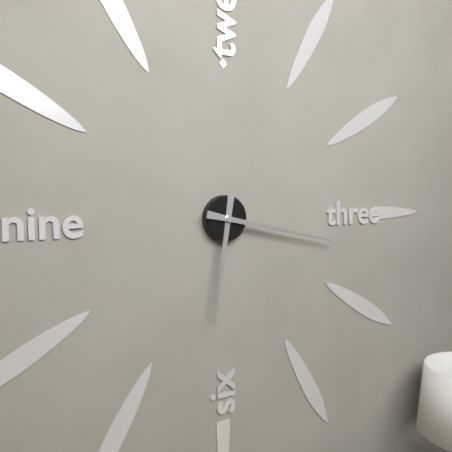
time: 6:17
